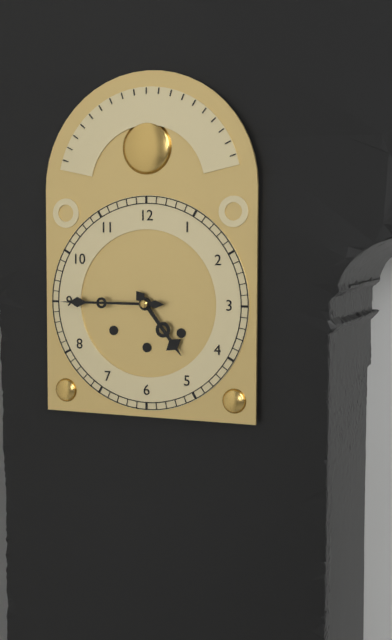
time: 4:45
